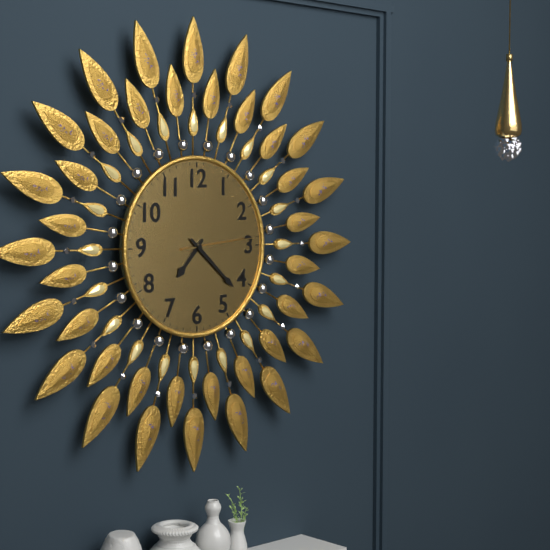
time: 7:22:14
